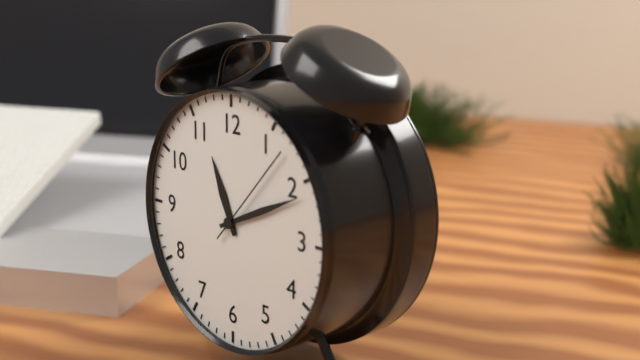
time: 11:11:07
